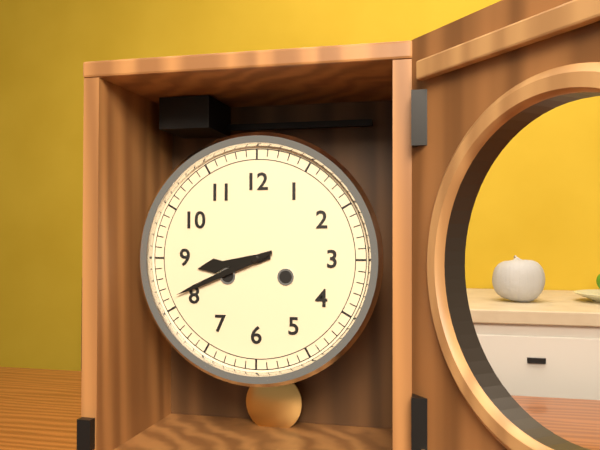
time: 8:41
